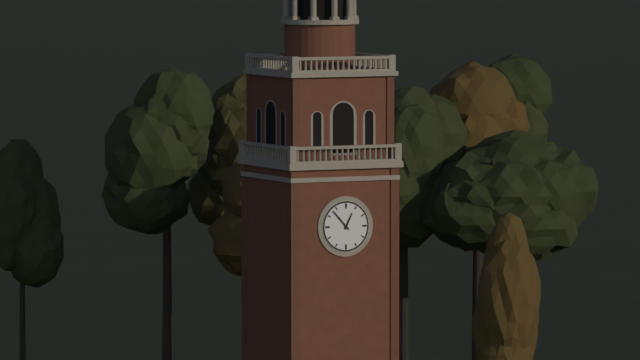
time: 12:53
